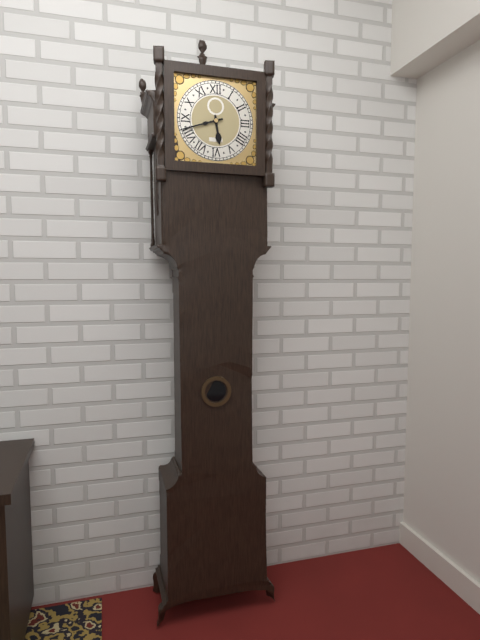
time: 5:42
